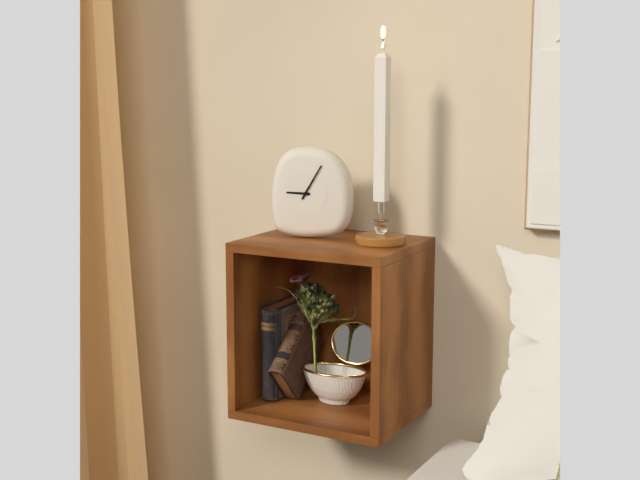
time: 9:05
